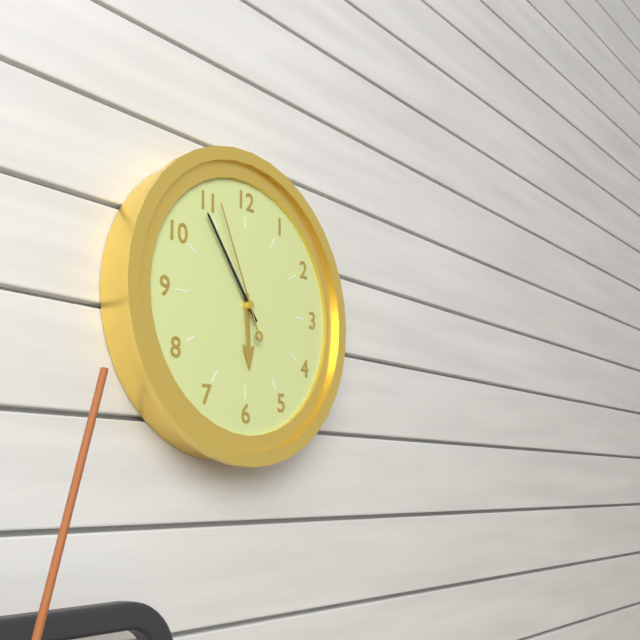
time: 5:54:56
